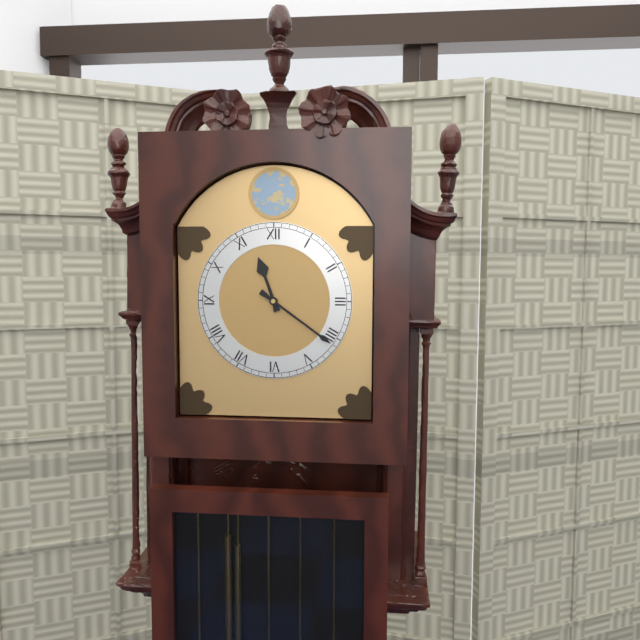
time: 11:21
